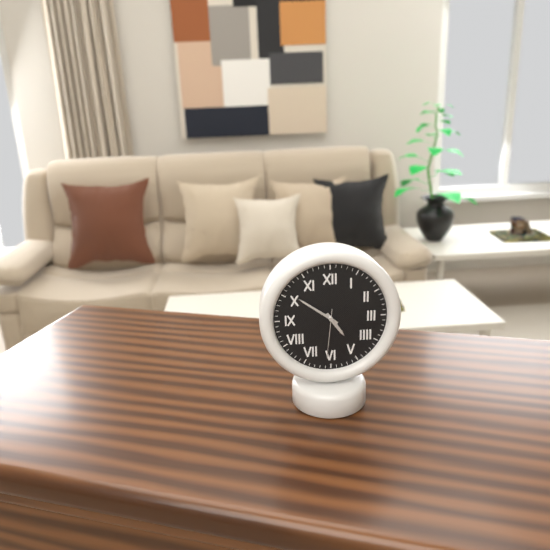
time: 4:51:31
